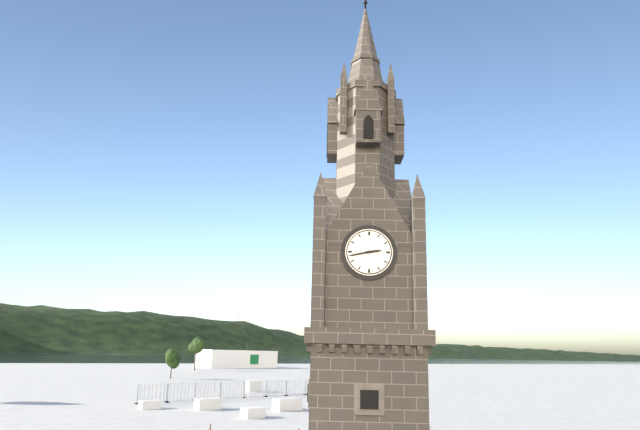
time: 2:43
